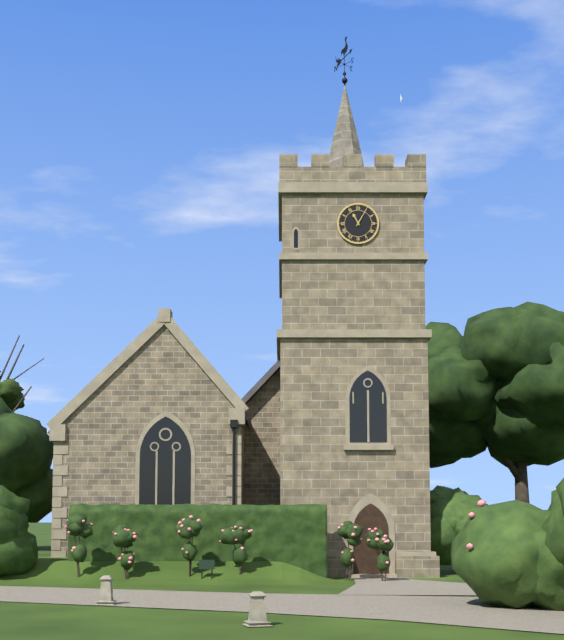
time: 11:05
